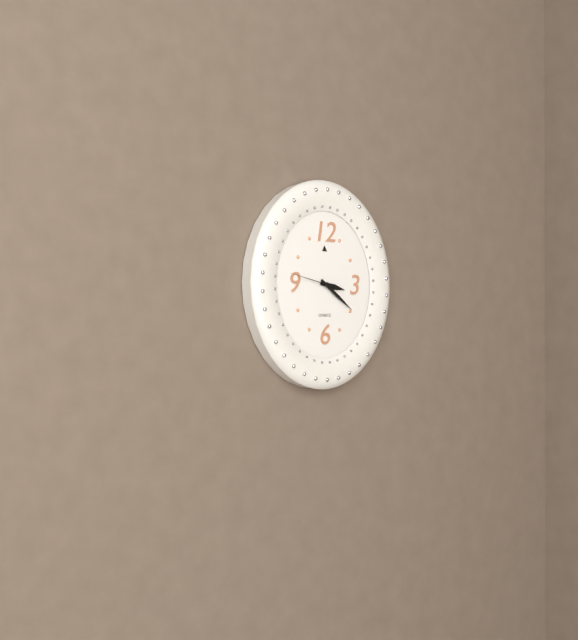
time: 3:21
